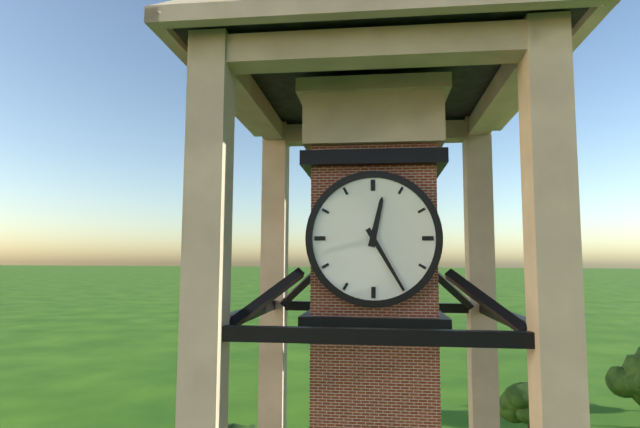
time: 12:25
